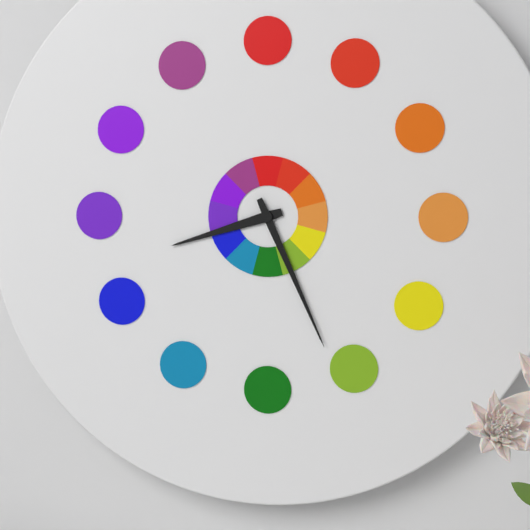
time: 8:26
